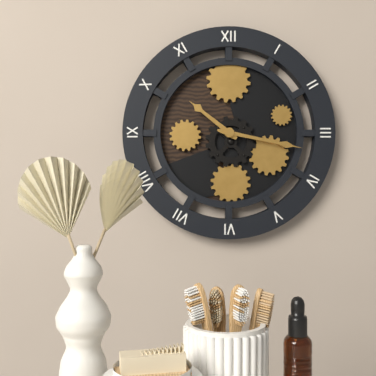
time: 10:17
